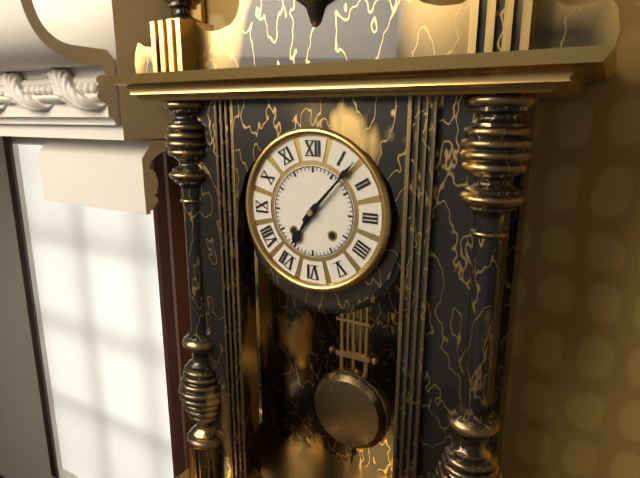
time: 7:07
